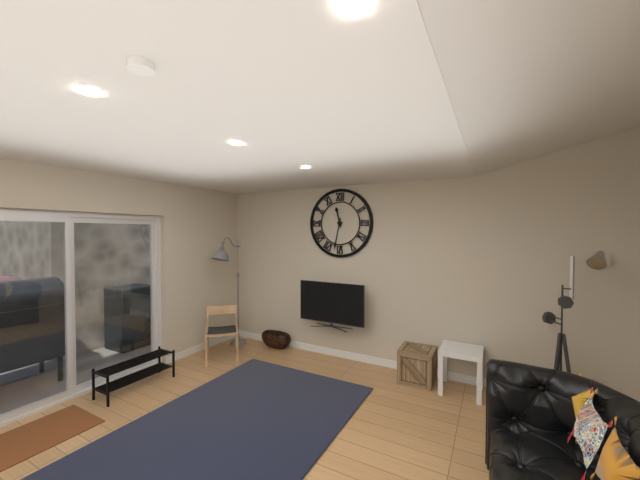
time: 11:32
